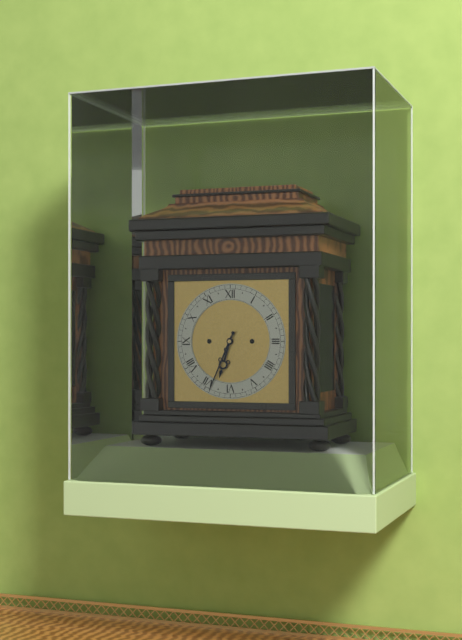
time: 6:34
